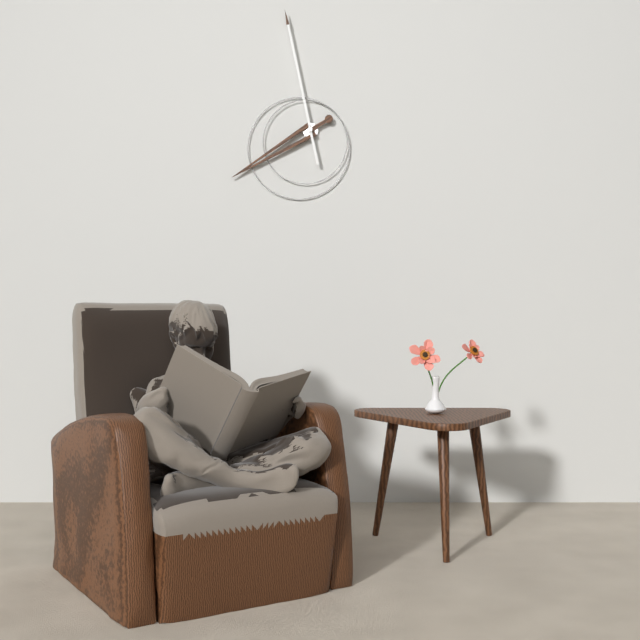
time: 7:58
